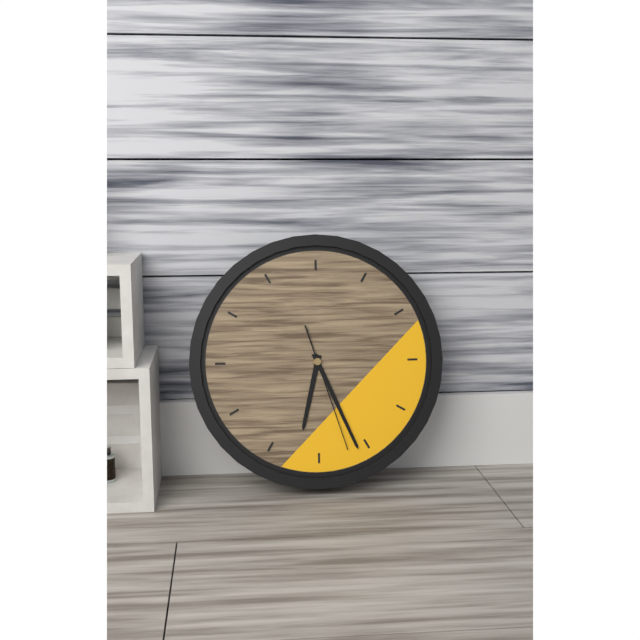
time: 6:26:27
